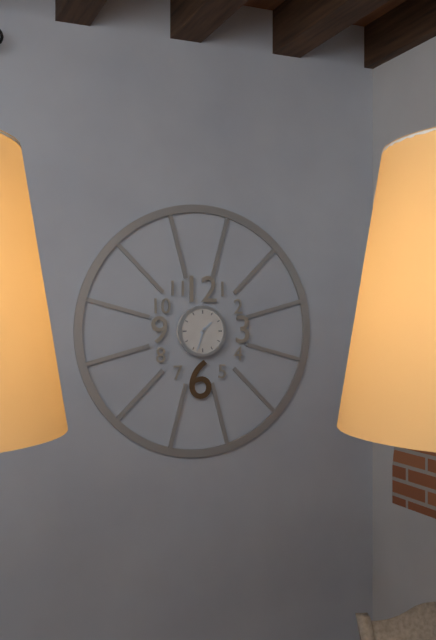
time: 1:33
